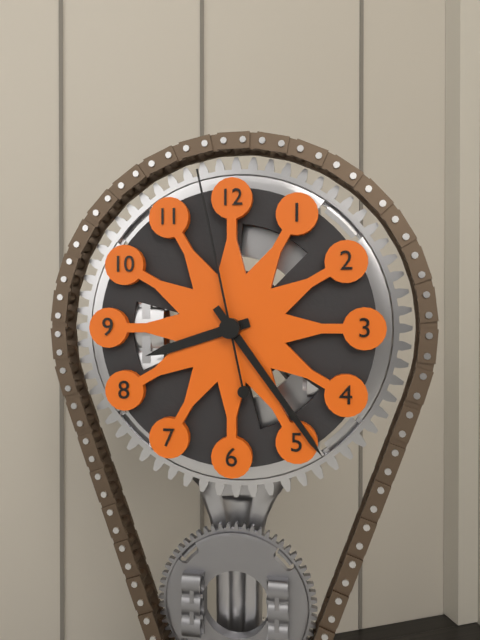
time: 8:24:58
